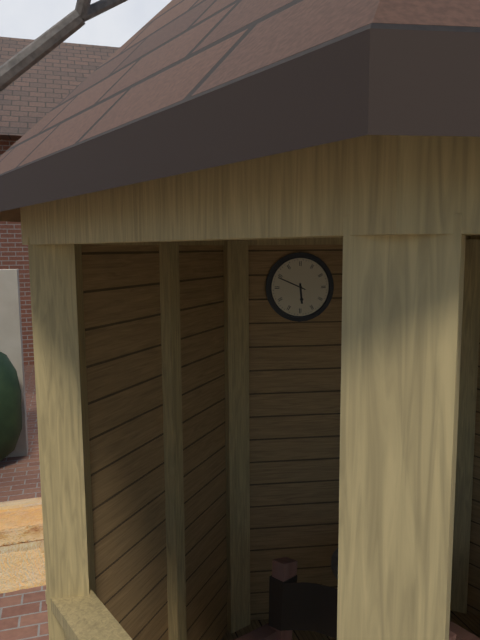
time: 5:49
